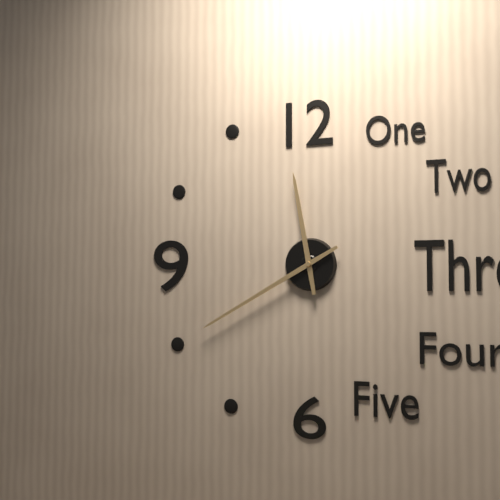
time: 11:40
